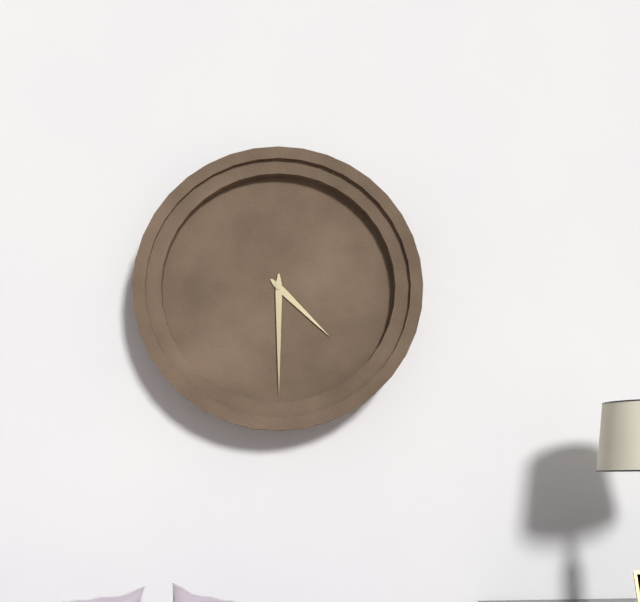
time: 4:30
